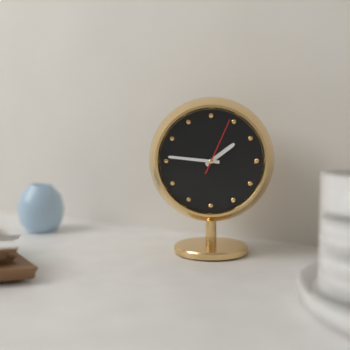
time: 1:46:04
